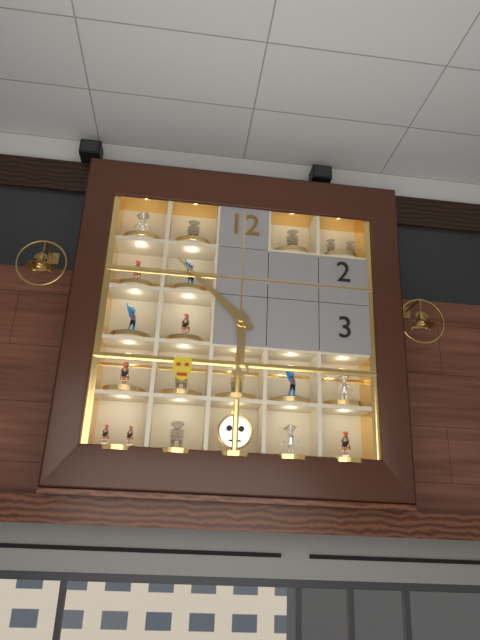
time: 5:52
